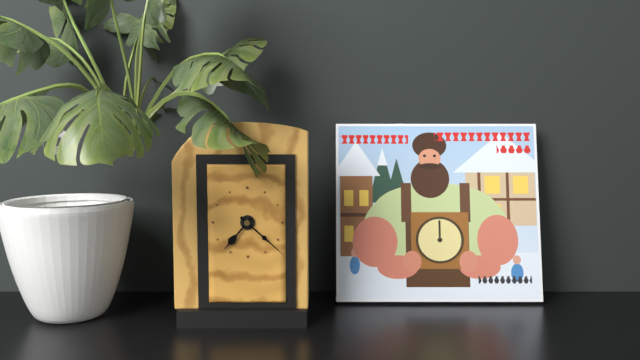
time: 7:22
